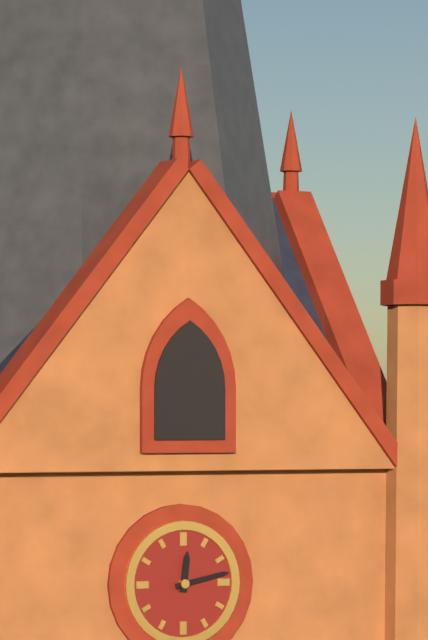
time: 12:13
